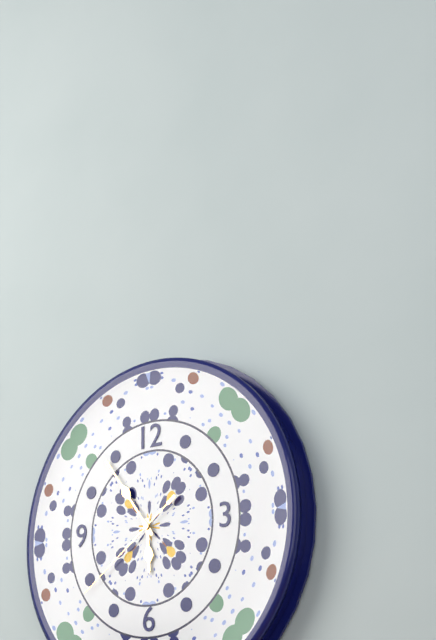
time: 5:54:39
